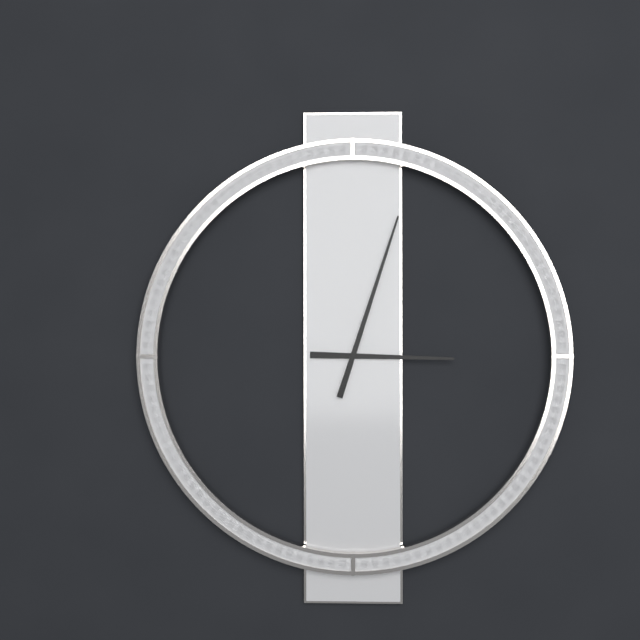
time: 3:03
